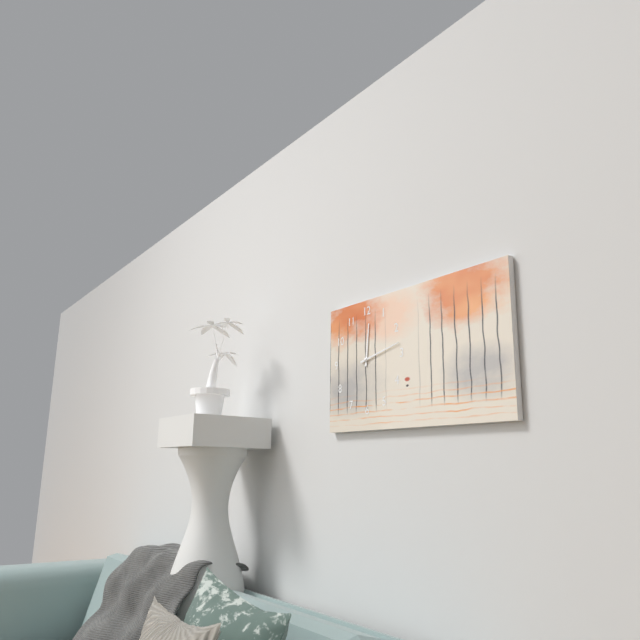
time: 12:13
